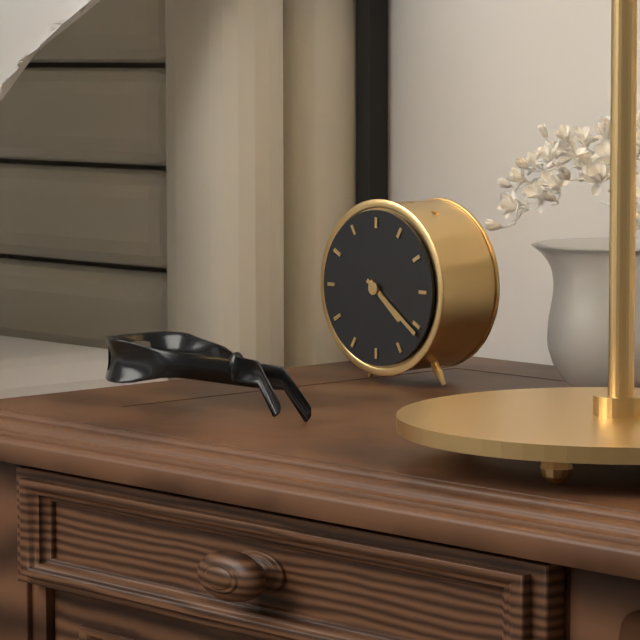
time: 4:21
